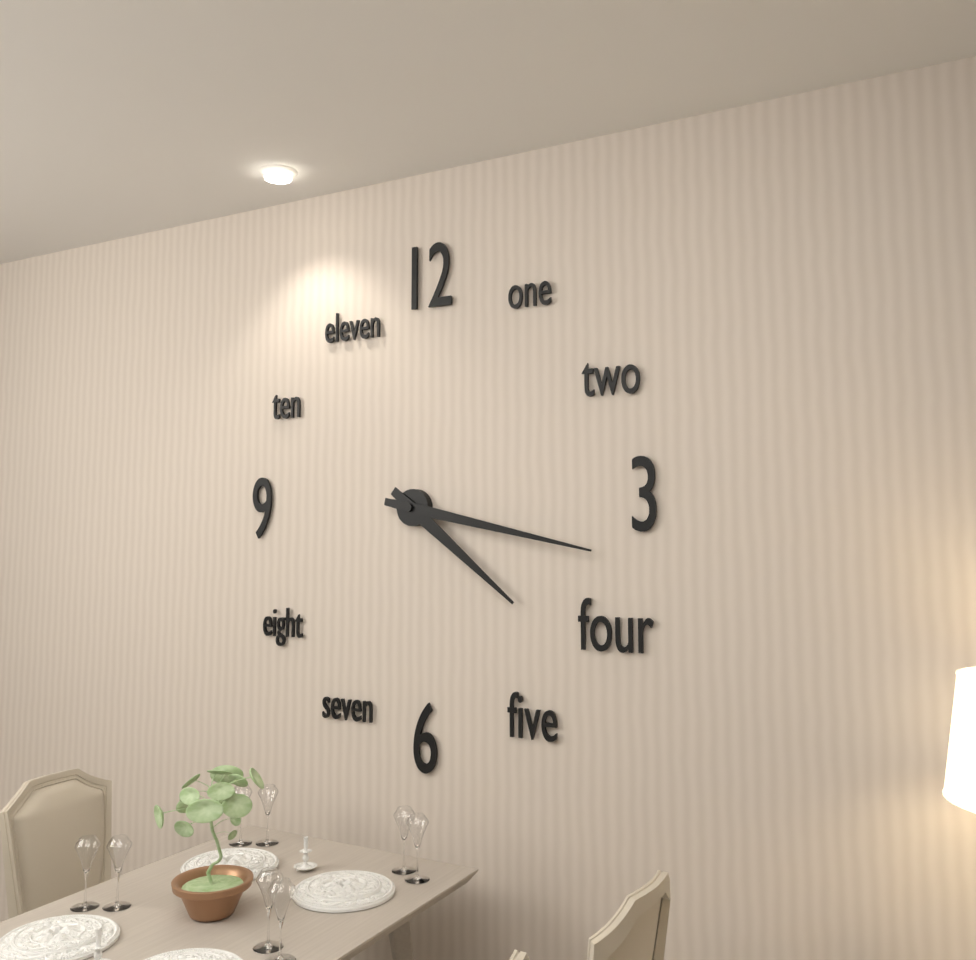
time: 4:17
